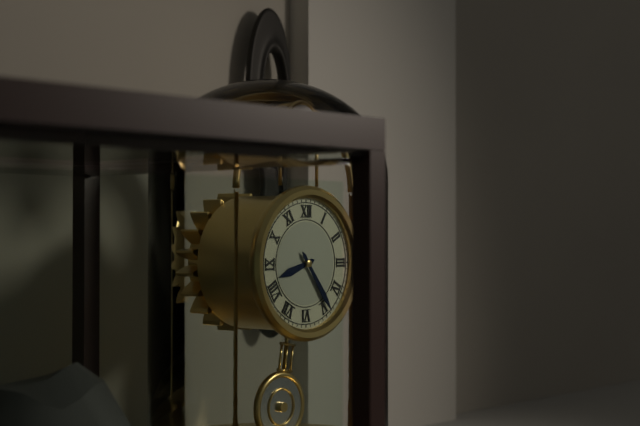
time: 8:24
